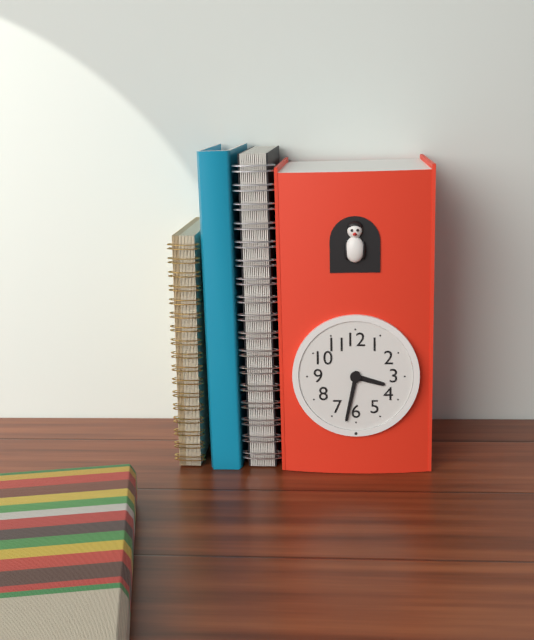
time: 3:32
